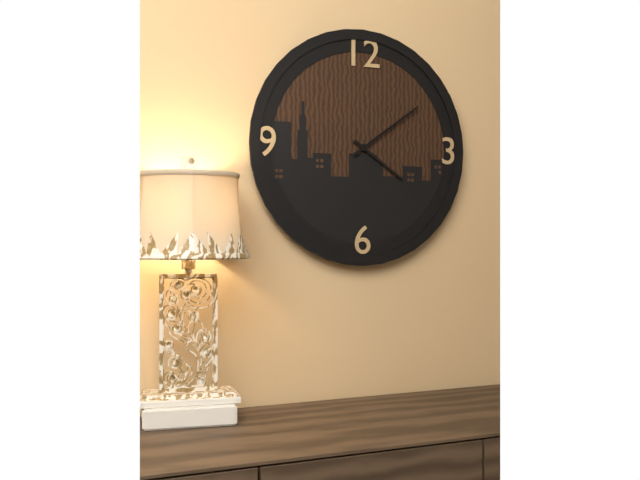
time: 4:09
